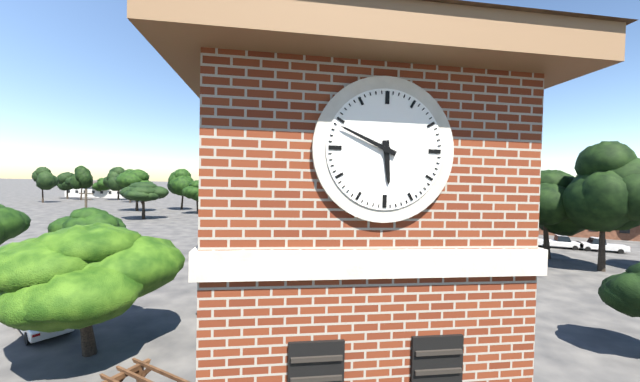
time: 5:49
